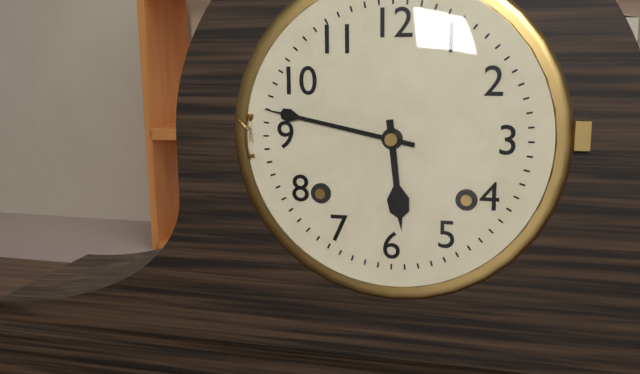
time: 5:47
